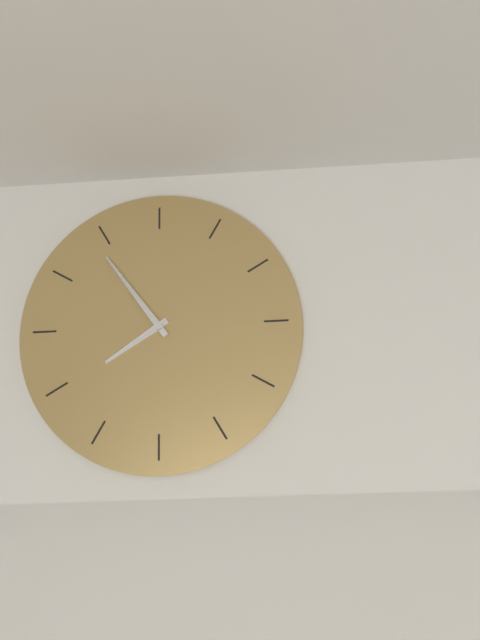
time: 7:54
